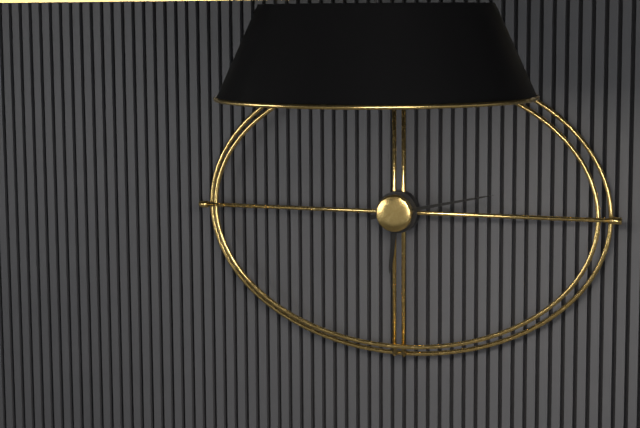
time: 6:13
